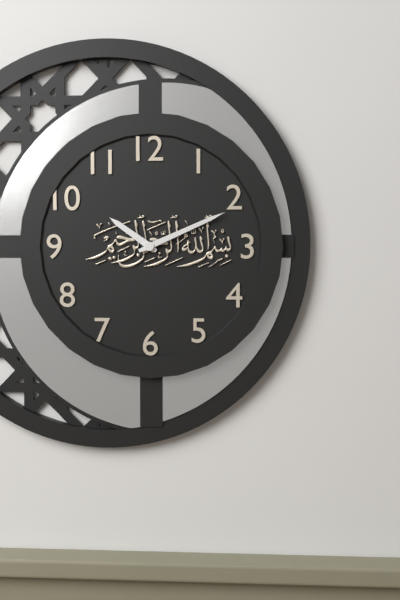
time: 10:11
